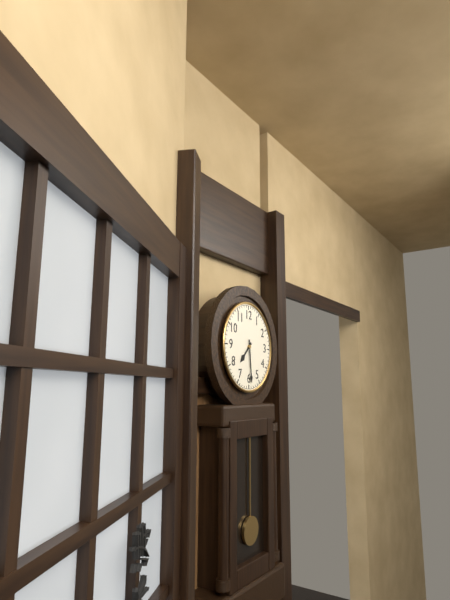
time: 7:29
